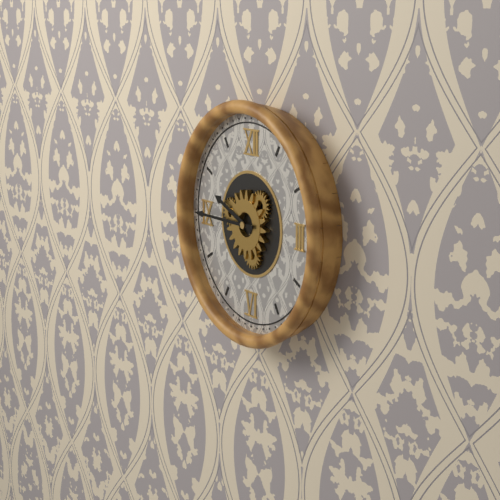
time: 9:45
